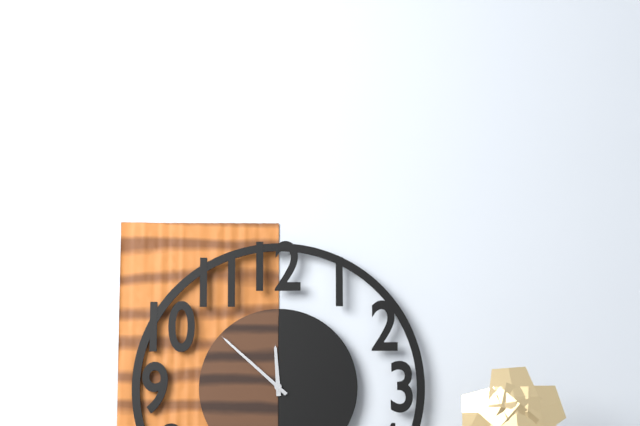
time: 11:52
